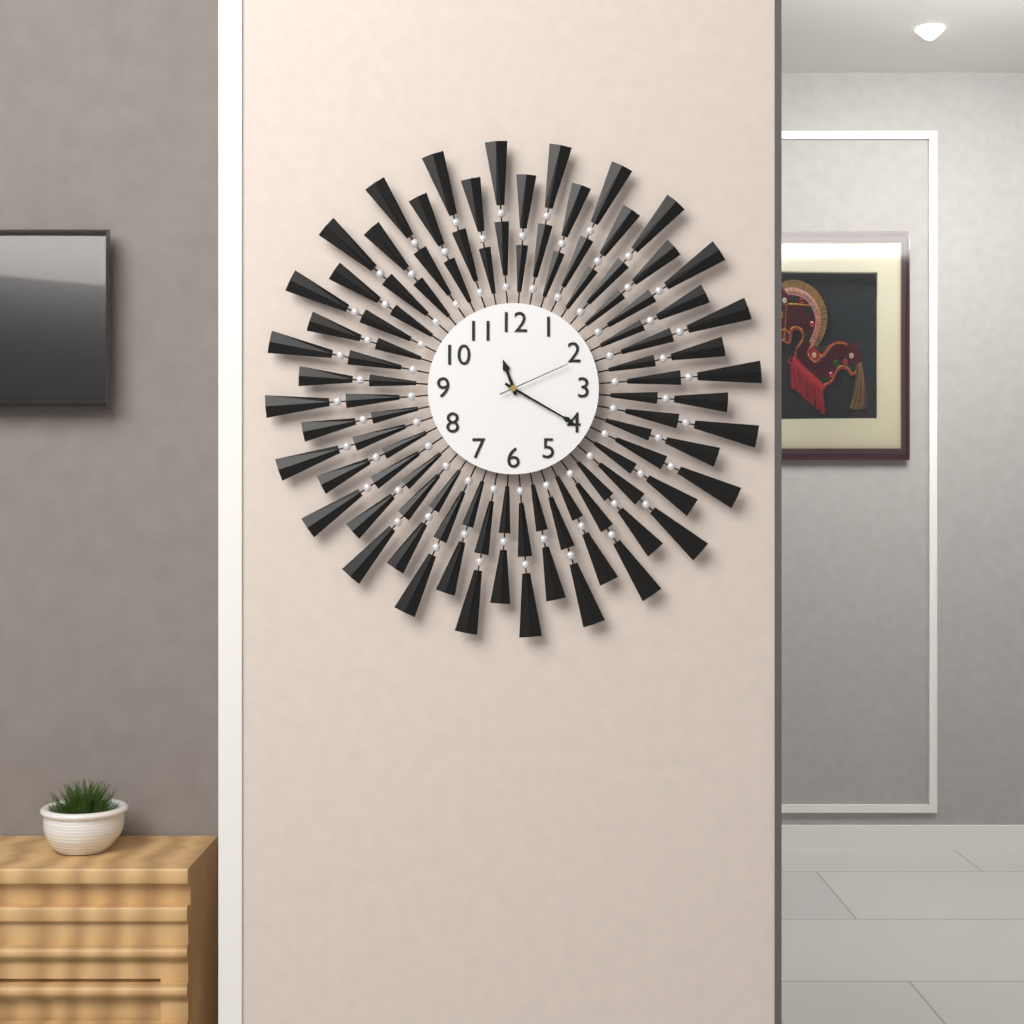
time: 11:20:11
